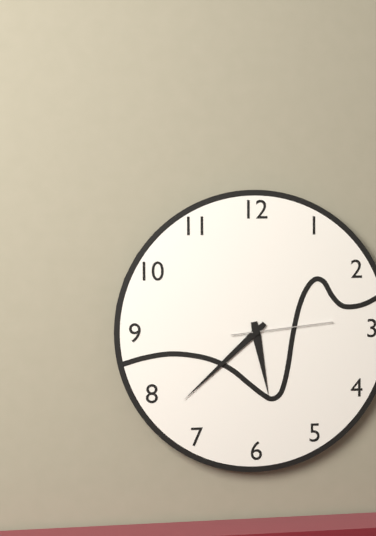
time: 5:38:14
